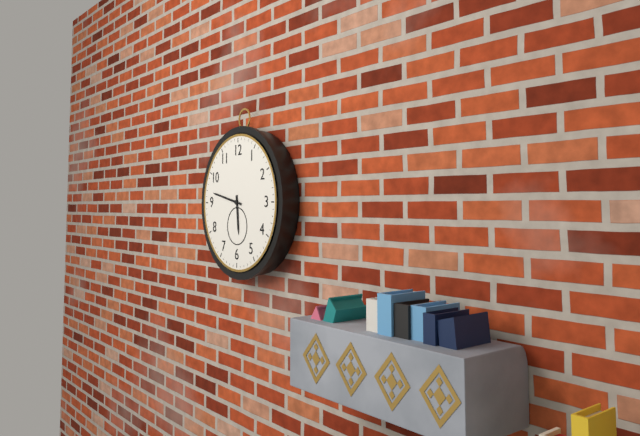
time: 5:47
